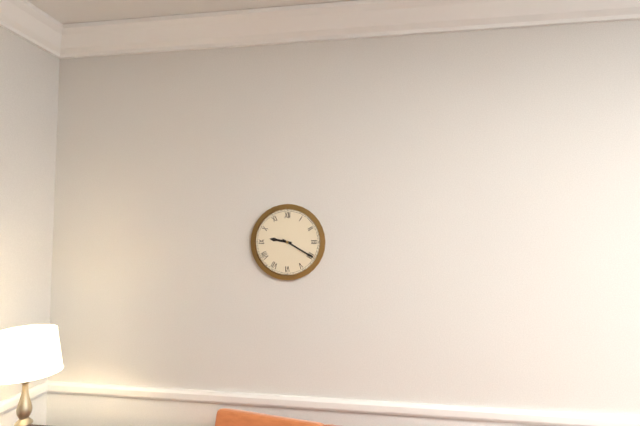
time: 9:20
